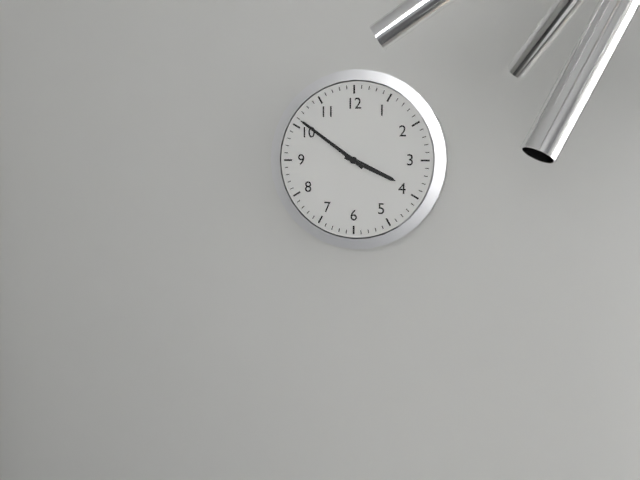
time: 3:51
